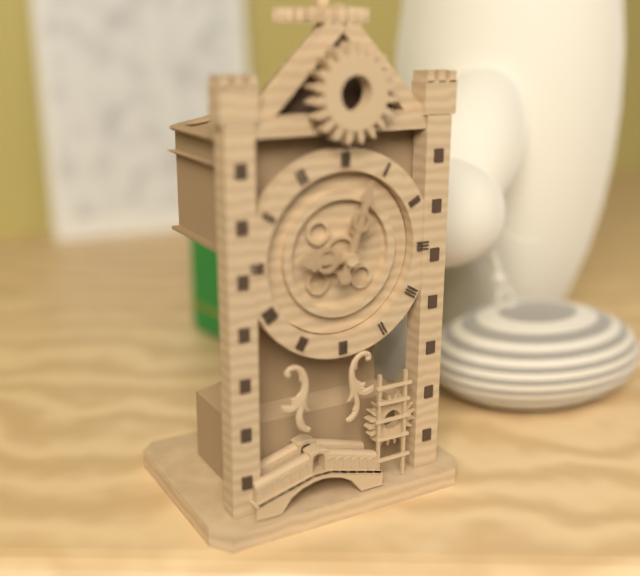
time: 9:03
